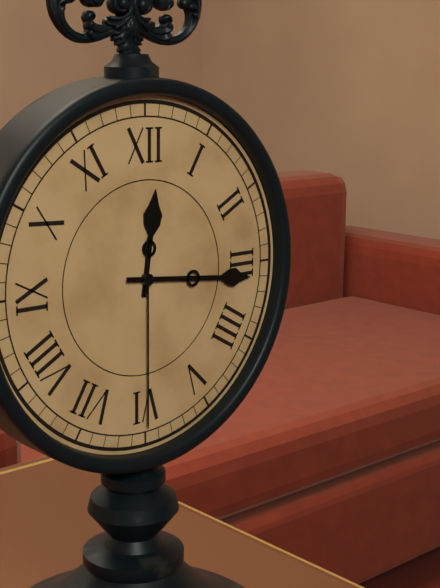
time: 12:16:30
